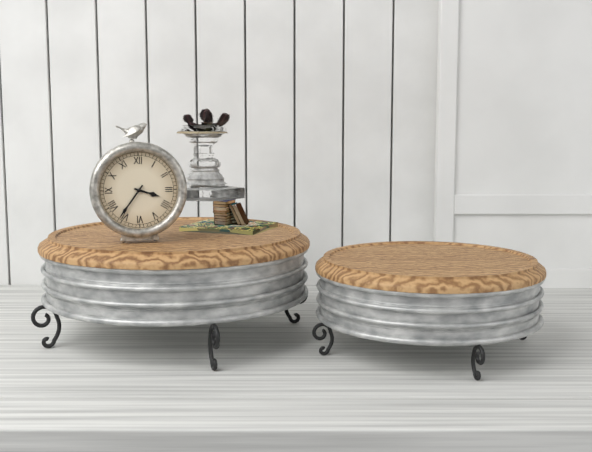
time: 3:36
